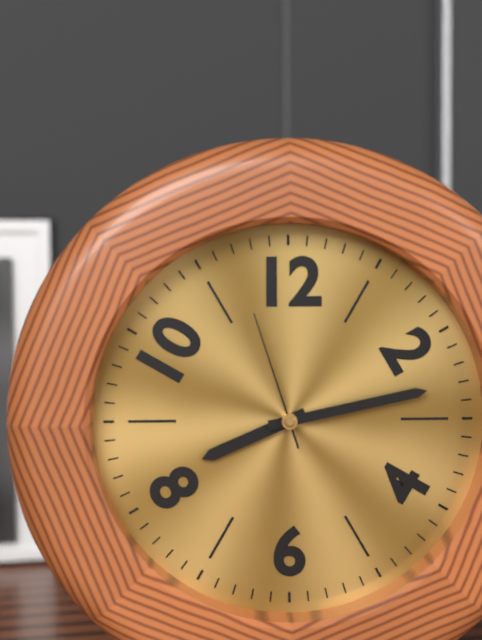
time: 8:13:57
